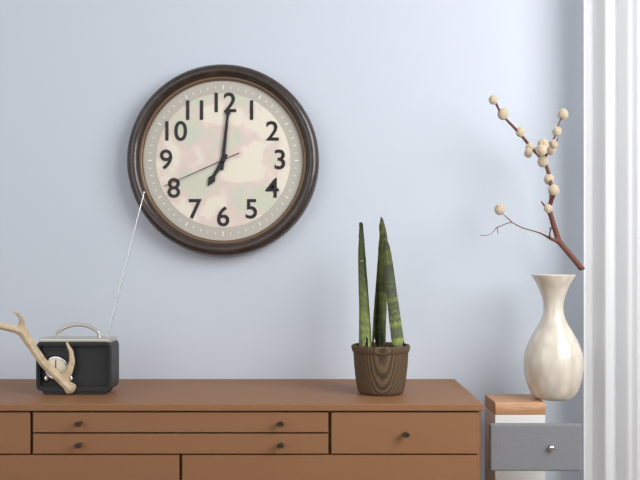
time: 7:01:41
